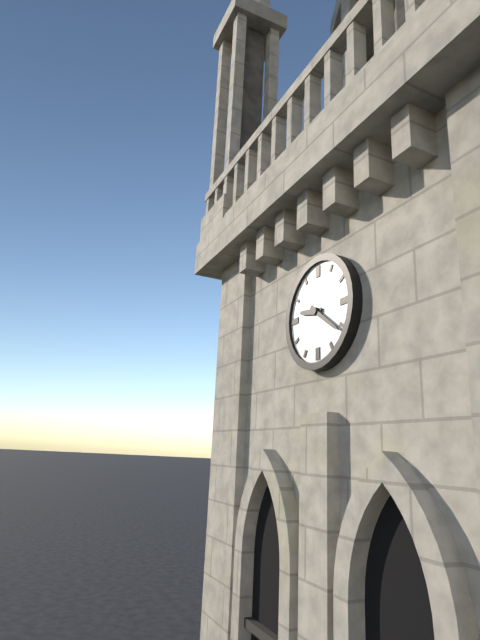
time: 9:21
